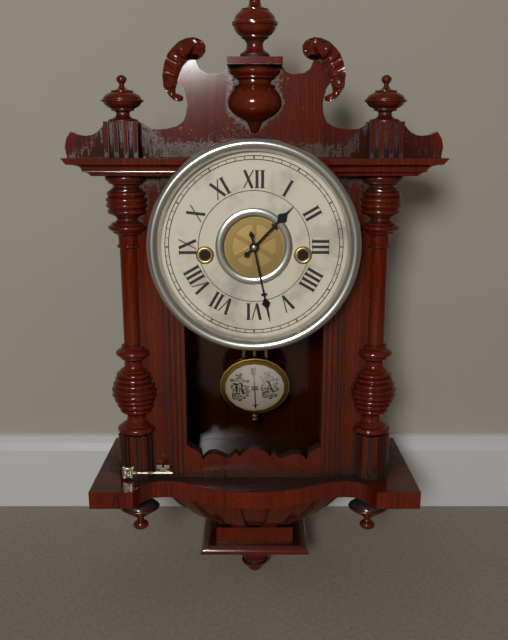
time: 1:28
